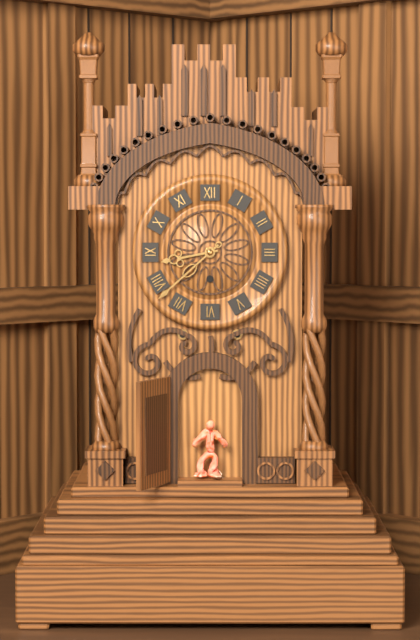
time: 8:38
